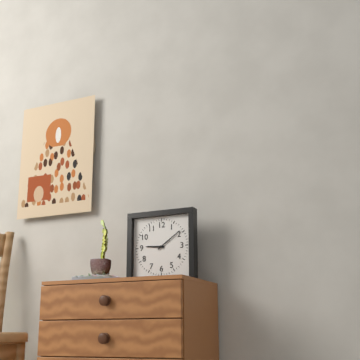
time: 9:09
